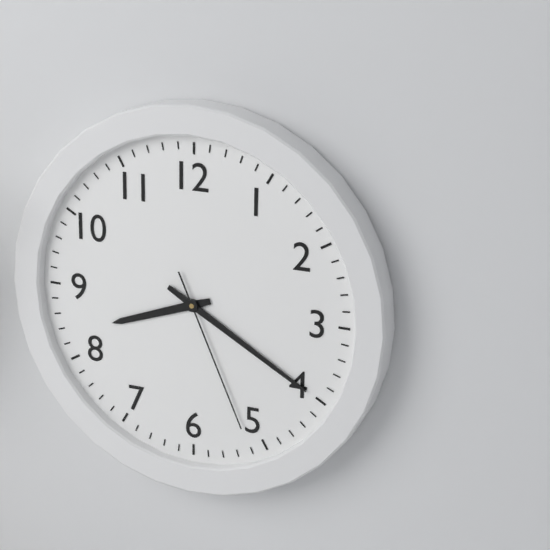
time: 8:20:26
